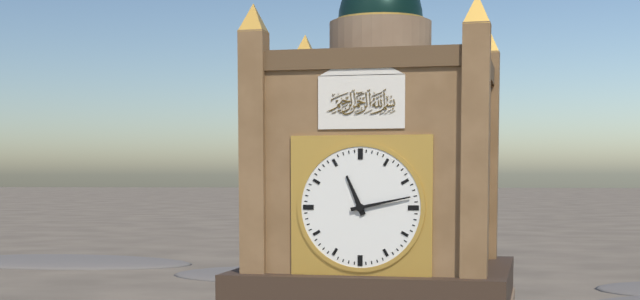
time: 11:13
